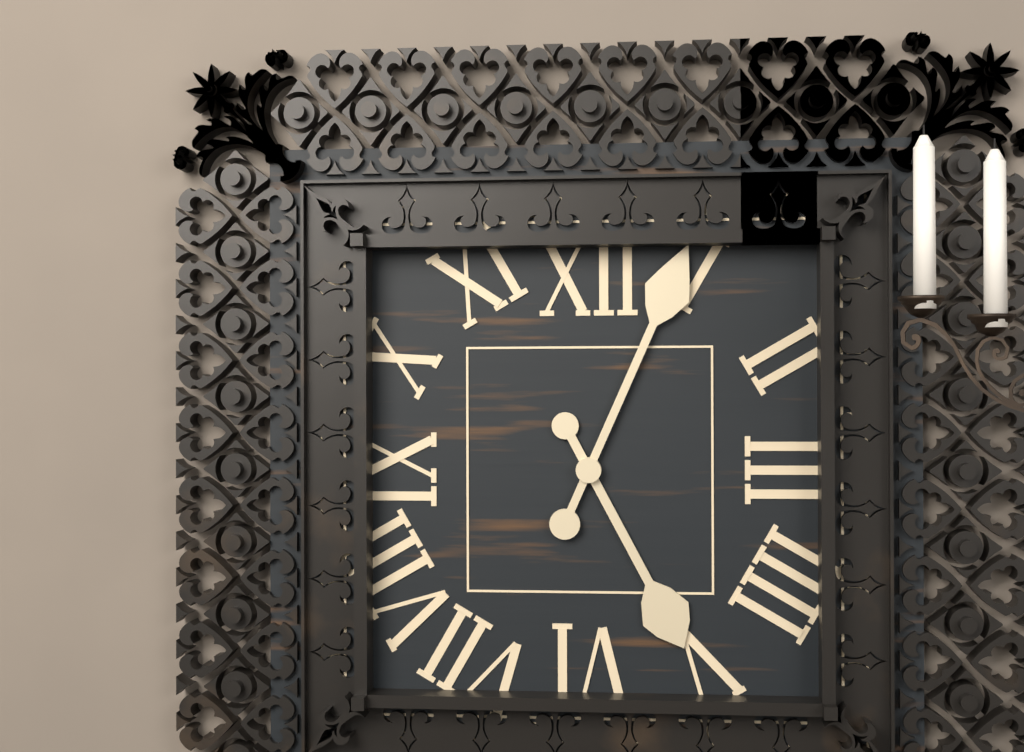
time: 5:04
